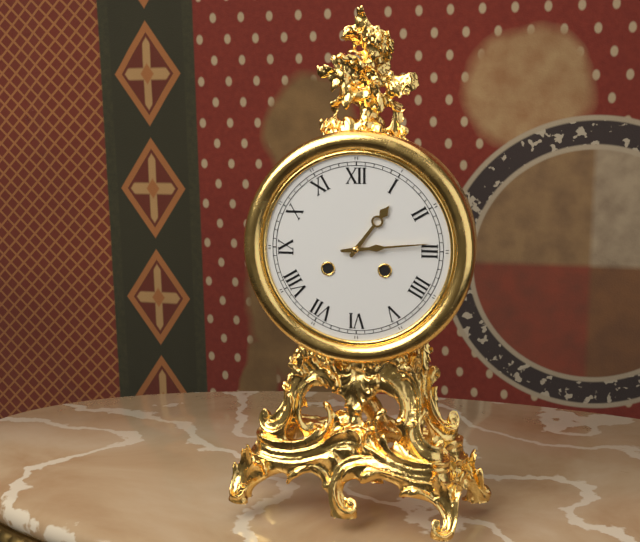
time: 1:14
